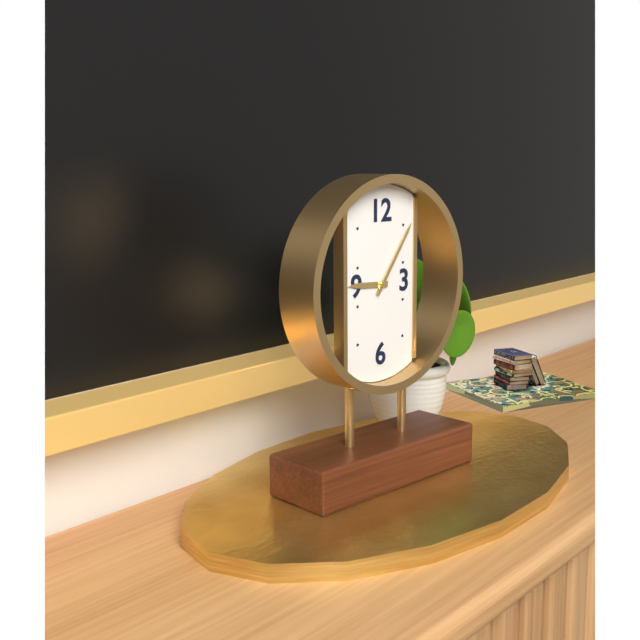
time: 9:06
